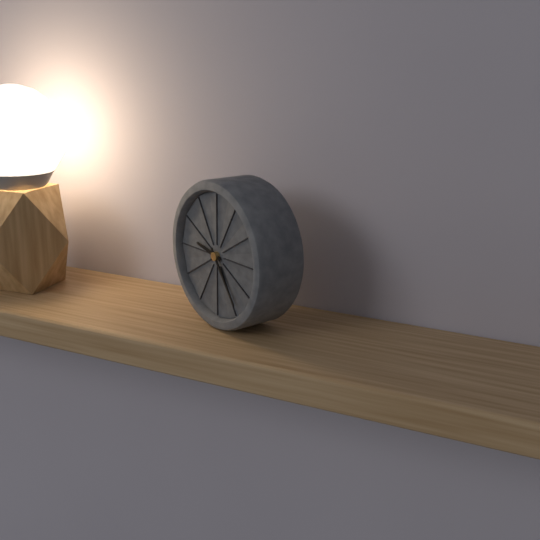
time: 9:24
